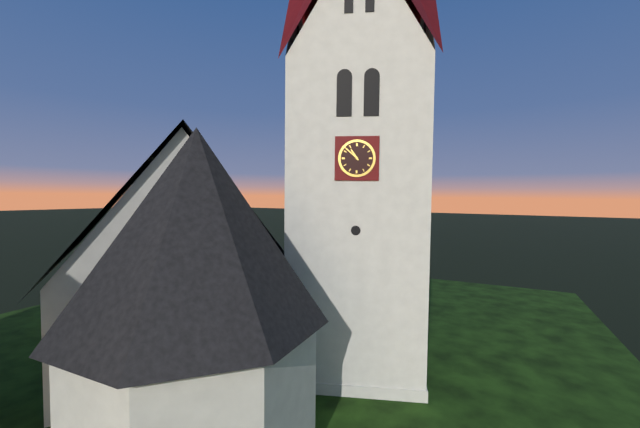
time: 10:52
